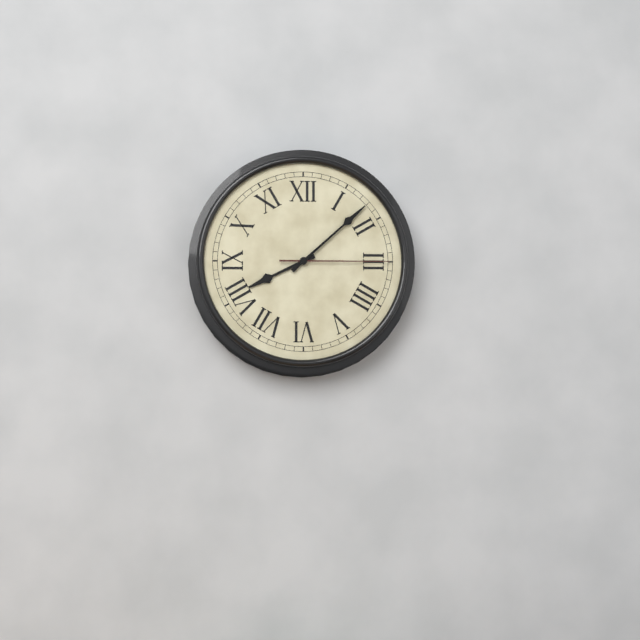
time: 8:08:15
